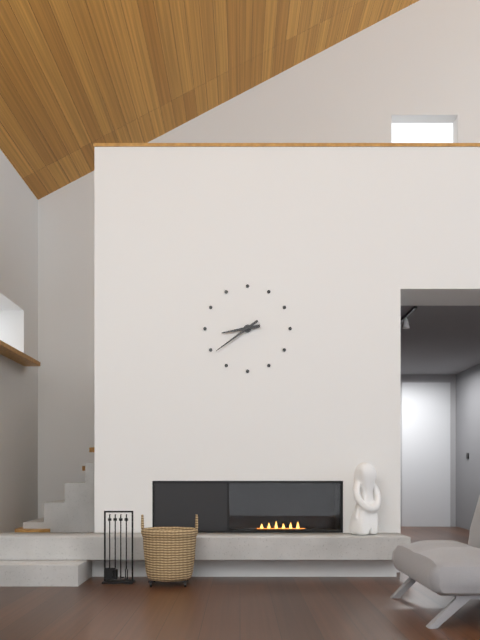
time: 8:39
